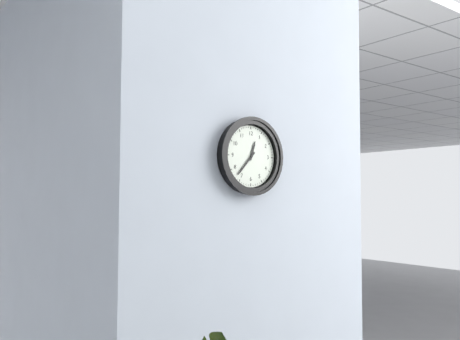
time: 12:37
